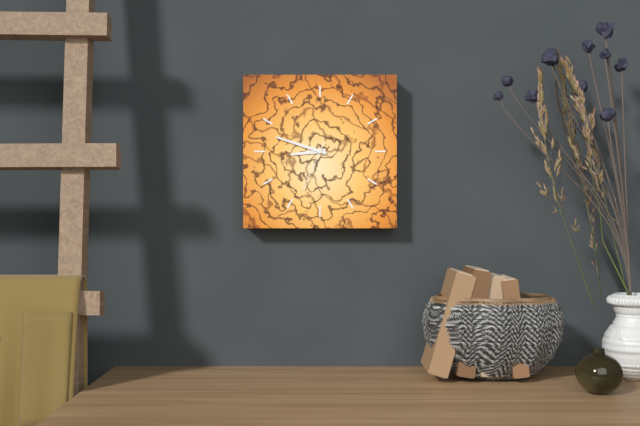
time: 8:48:34
